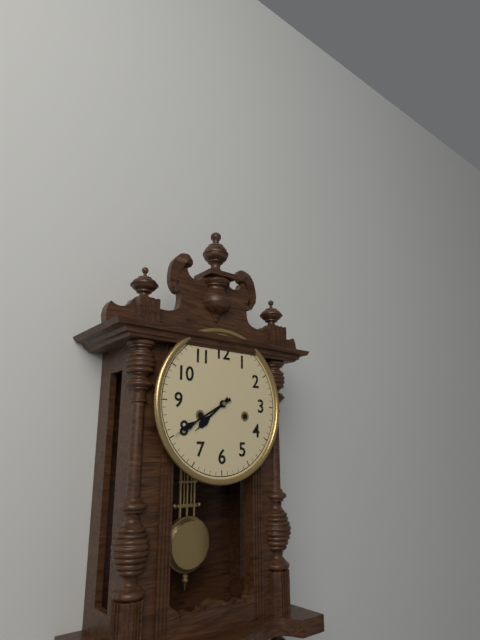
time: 7:40
